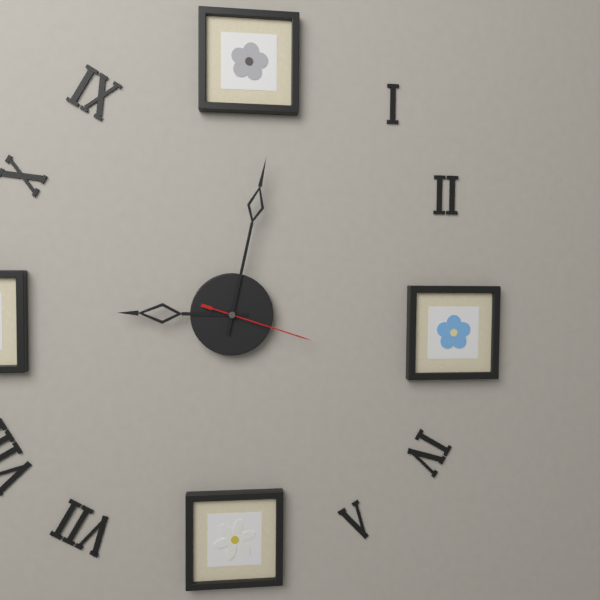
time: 9:02:18
